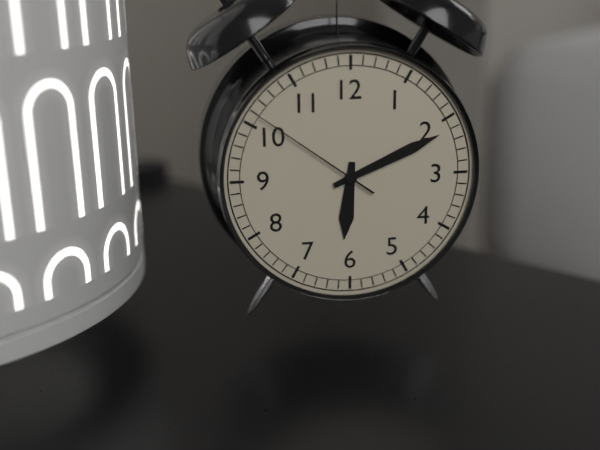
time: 6:11:51
